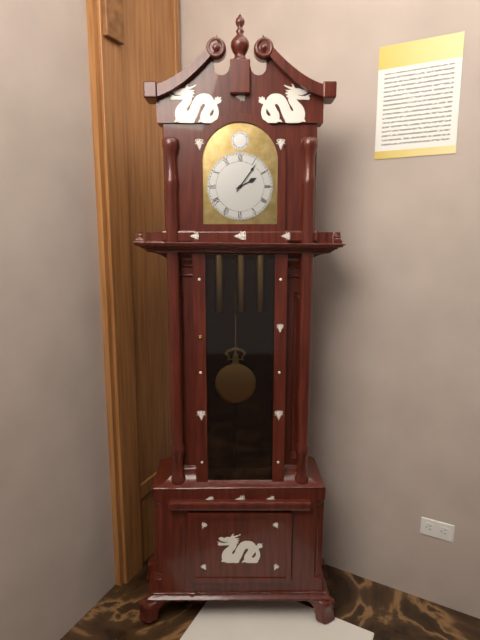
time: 2:06
